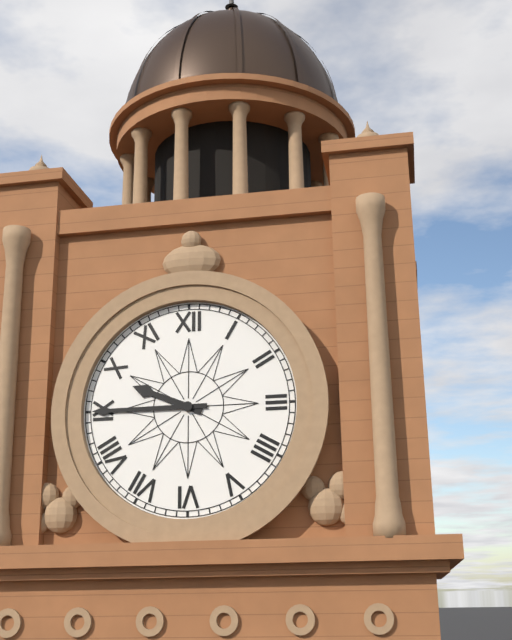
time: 9:45
